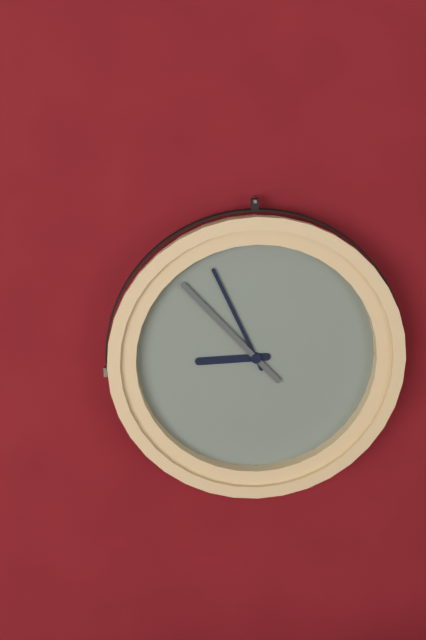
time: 8:56:53
